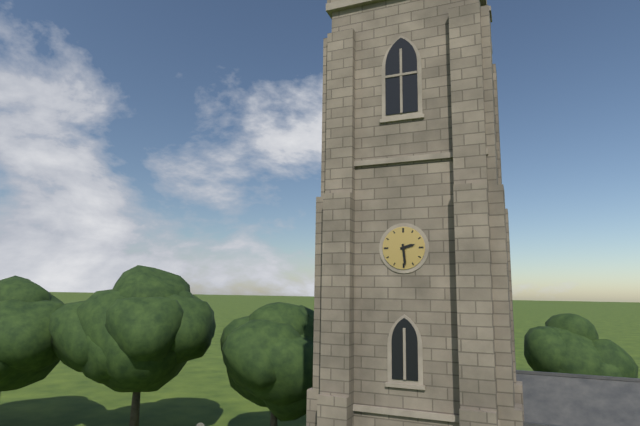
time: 2:29
